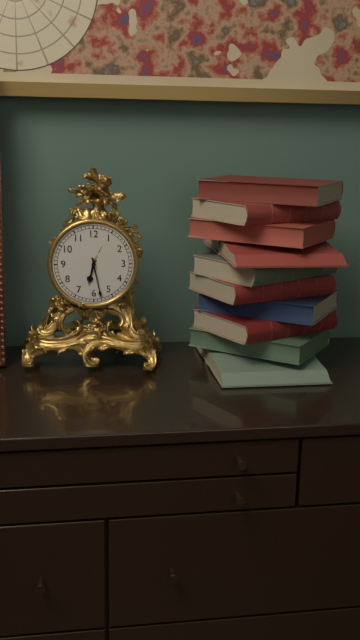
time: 6:28
